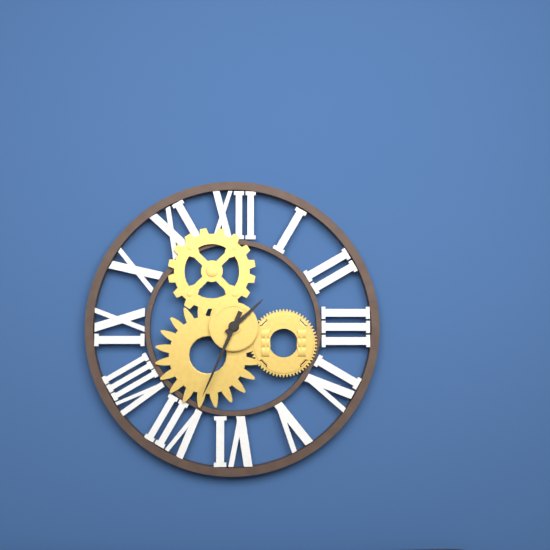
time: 1:34
